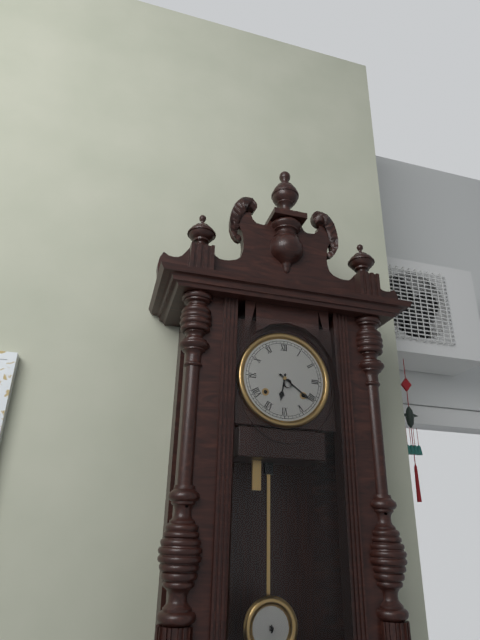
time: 6:21
